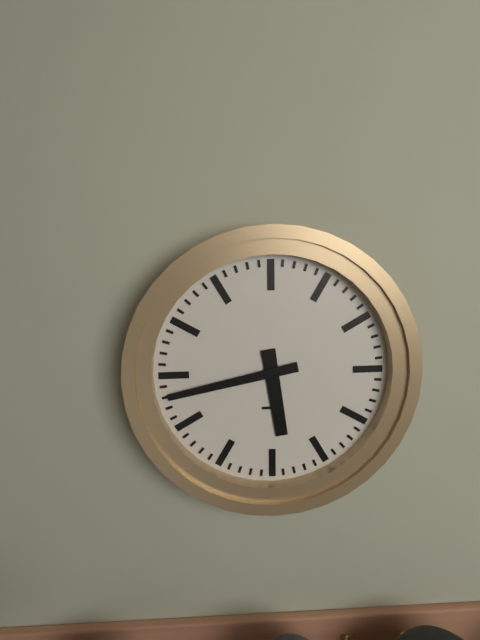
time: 5:43
